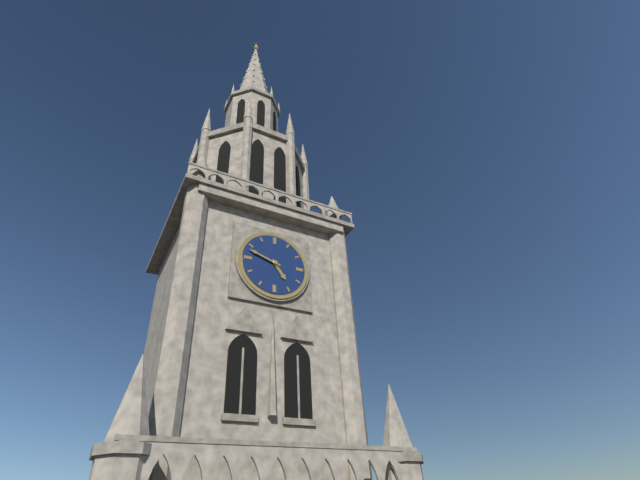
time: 4:48
